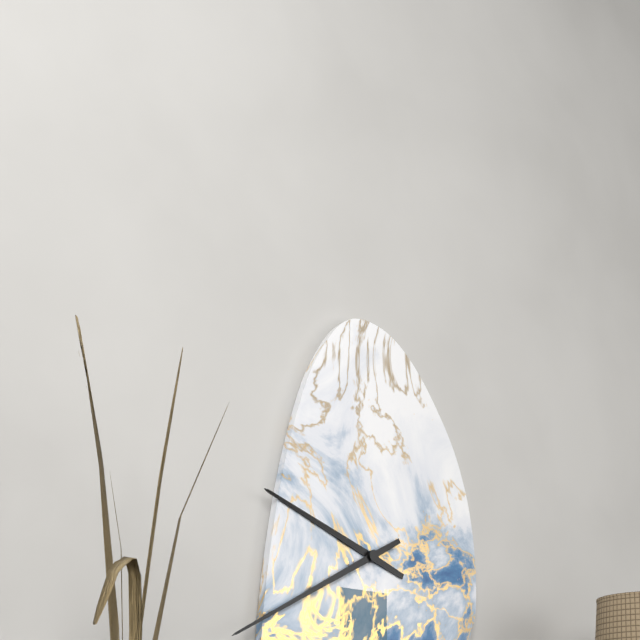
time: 9:40
